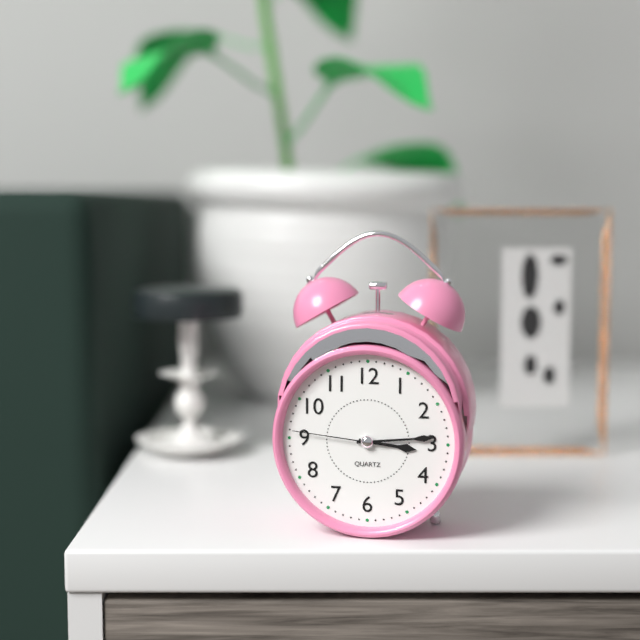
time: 3:14:46
